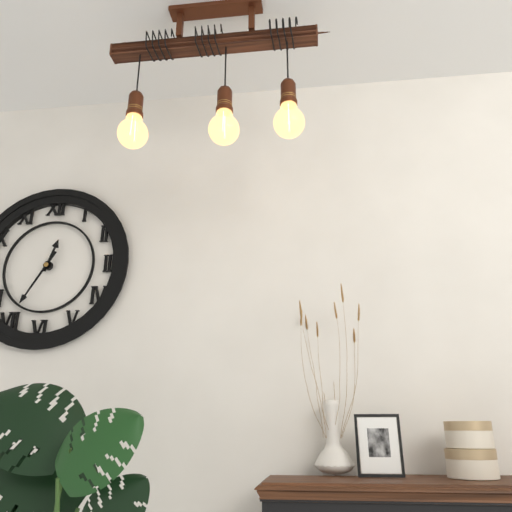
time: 12:35
